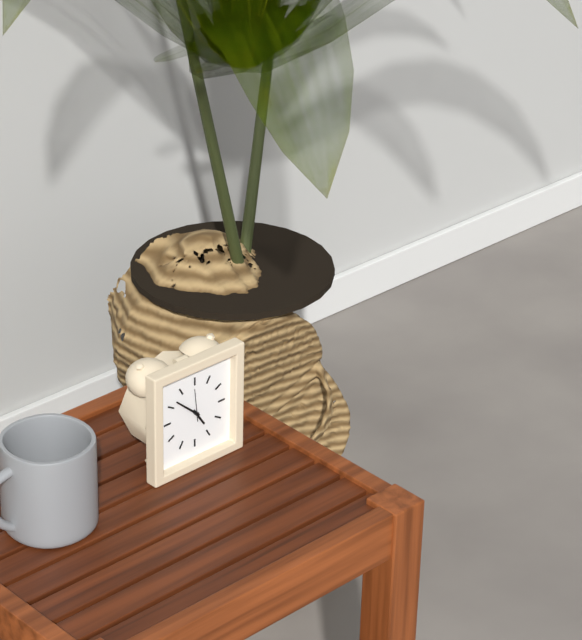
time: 4:52
